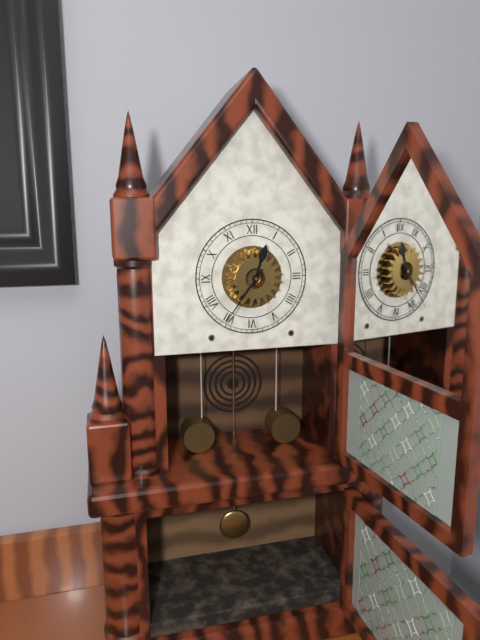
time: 12:36
